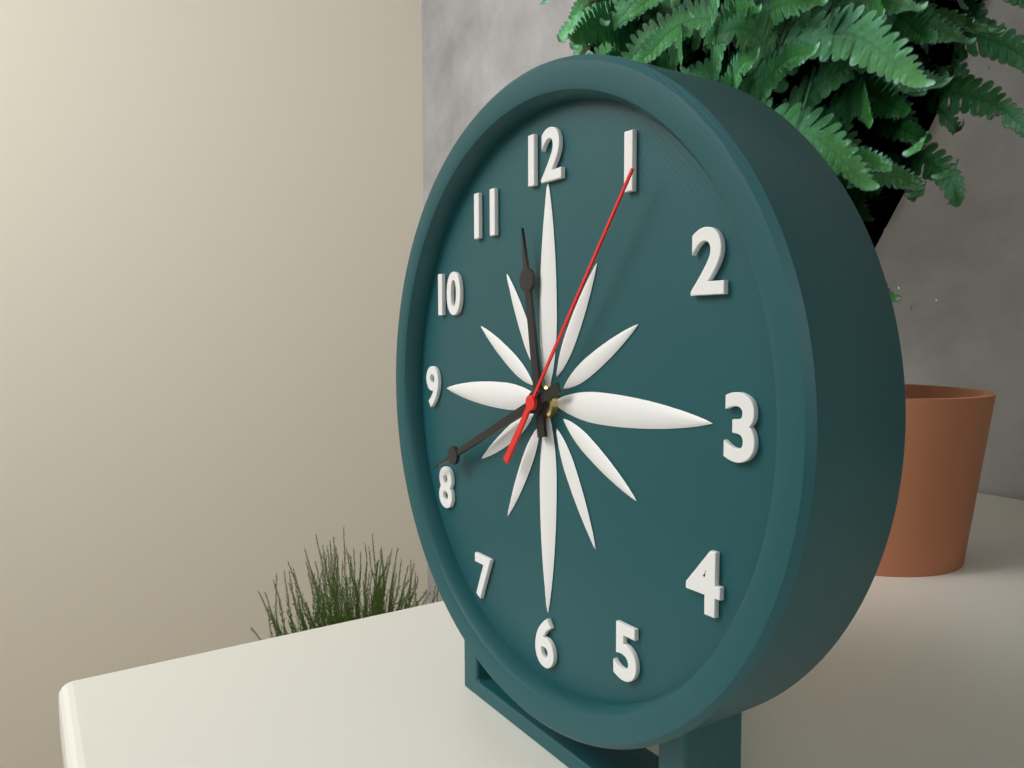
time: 11:41:06
